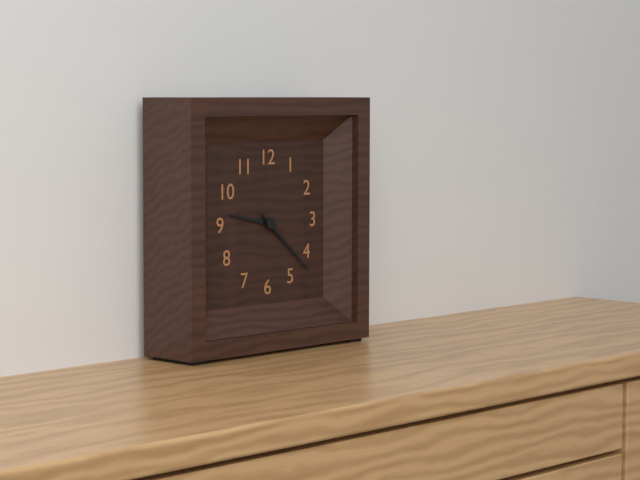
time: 9:22
